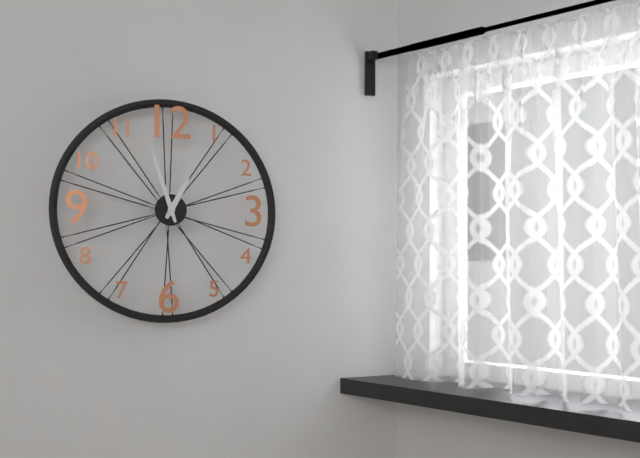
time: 12:57
